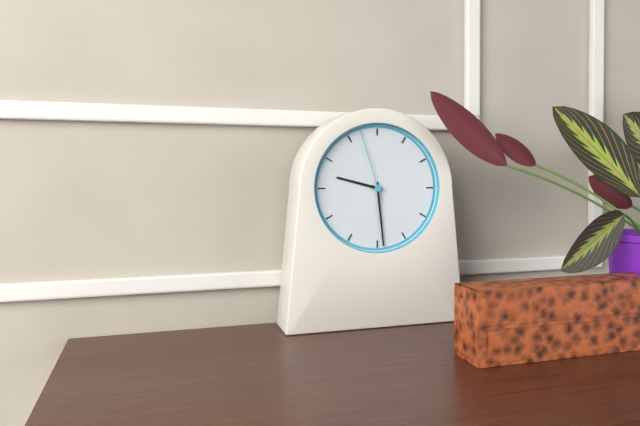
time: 9:29:57
